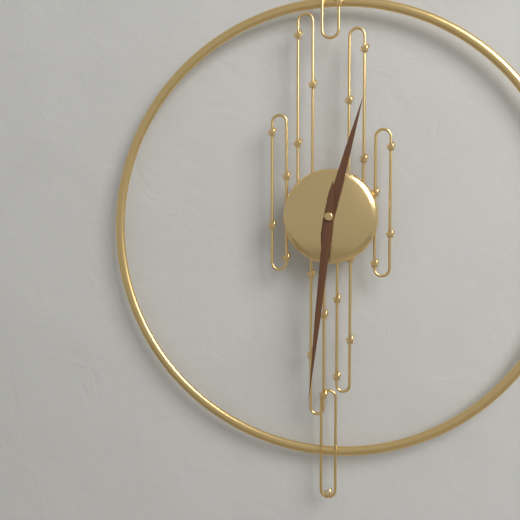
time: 12:31
